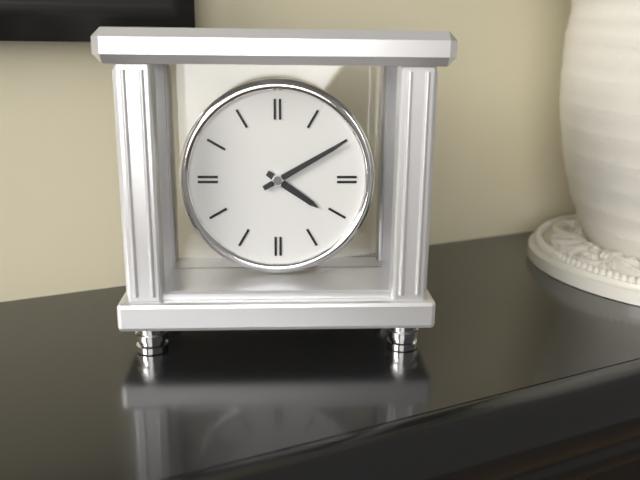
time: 4:10
